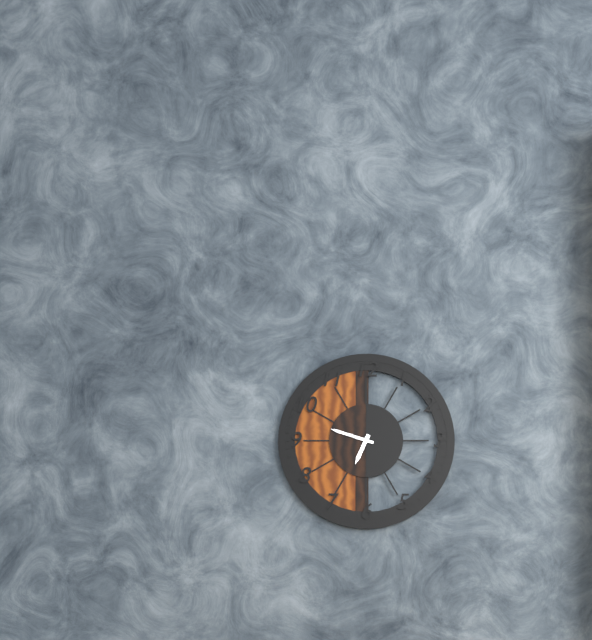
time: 6:48
